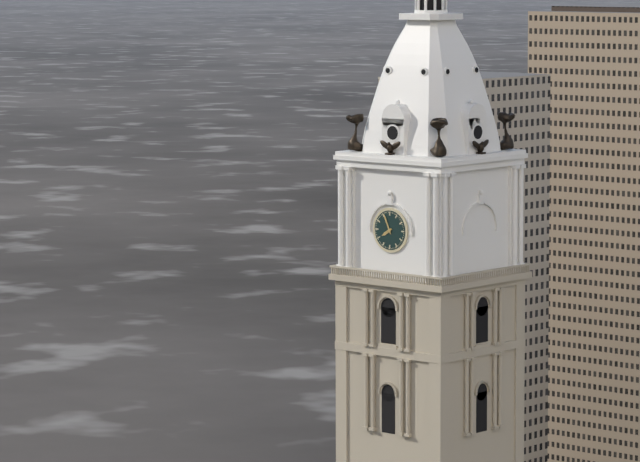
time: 7:56
